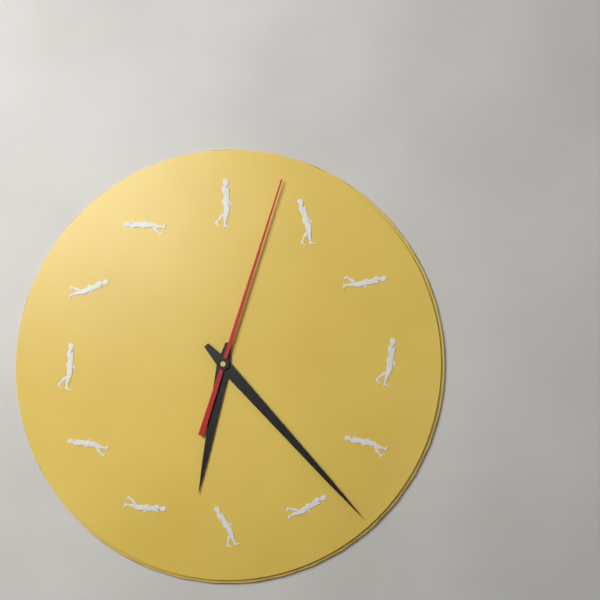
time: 6:23:03
